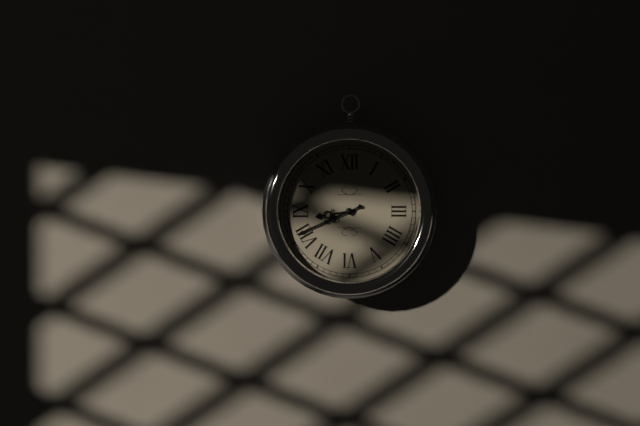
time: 8:41
